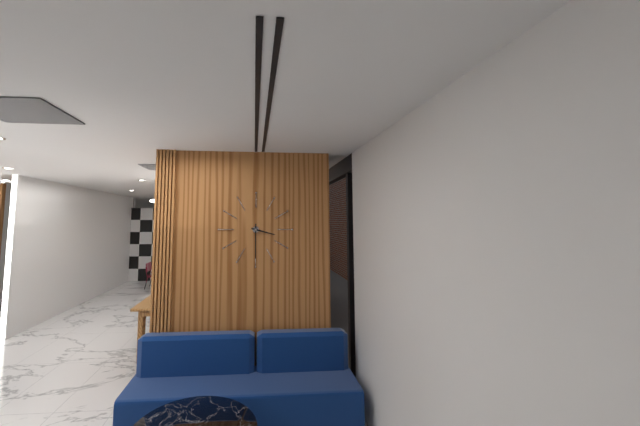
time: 3:30
